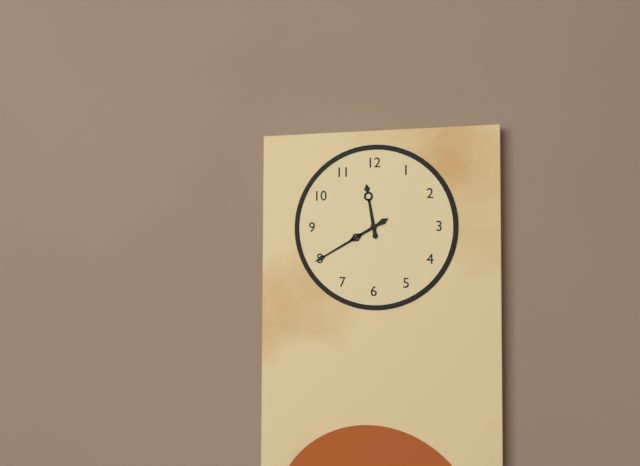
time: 11:40
